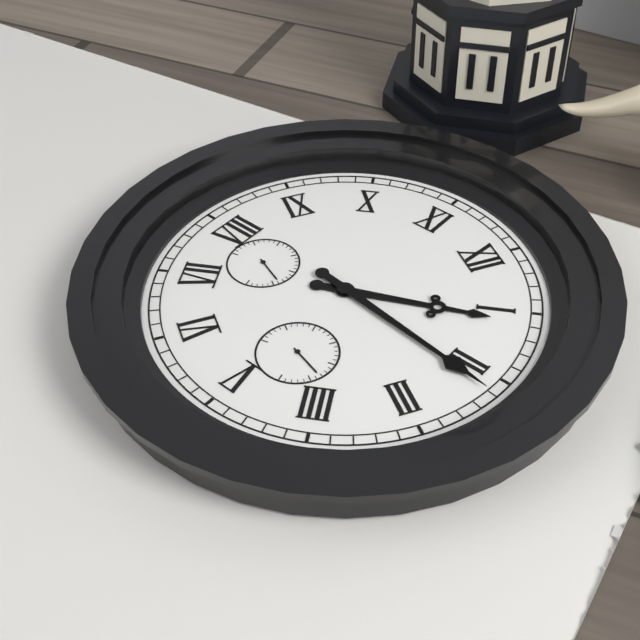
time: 1:11
